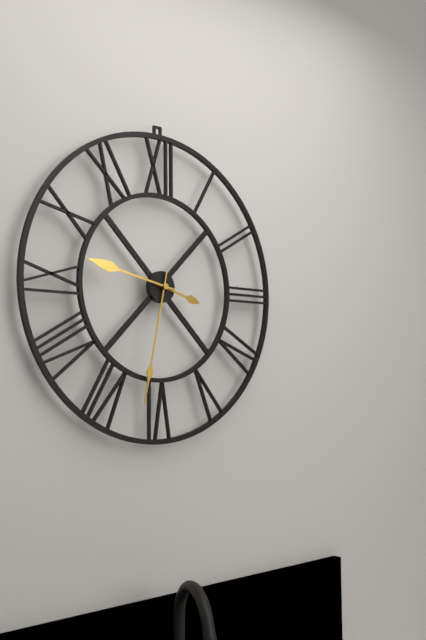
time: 3:32:47
